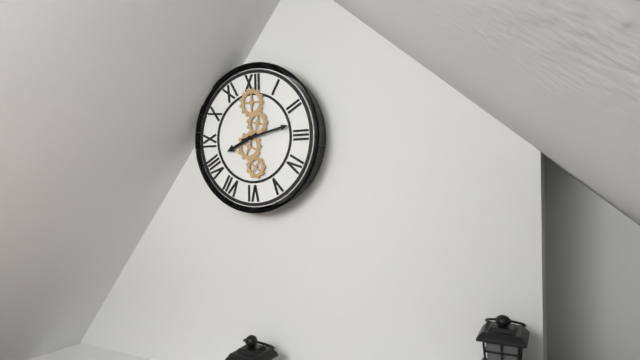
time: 8:13
